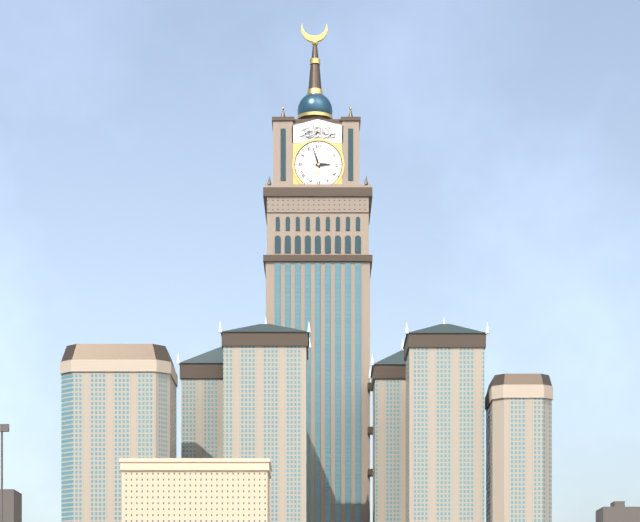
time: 2:57
